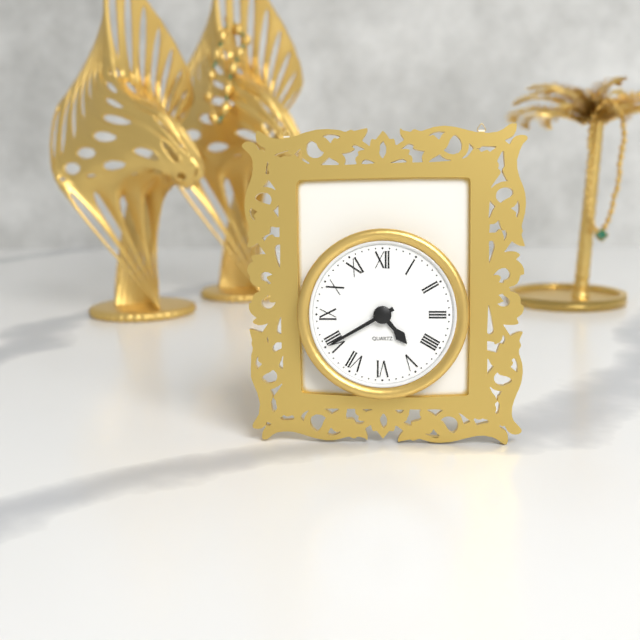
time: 4:40
